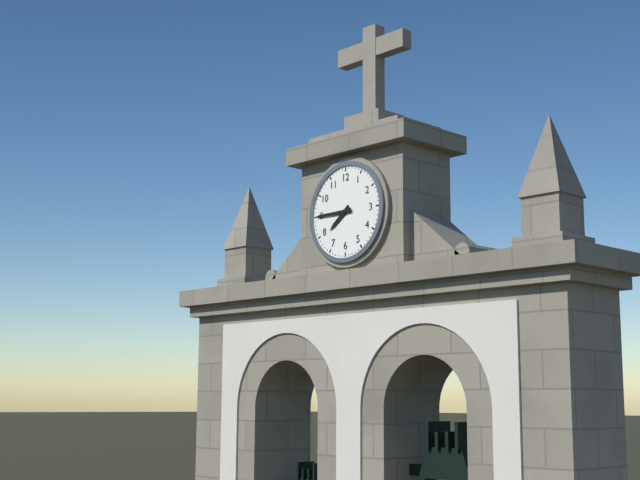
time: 7:45
